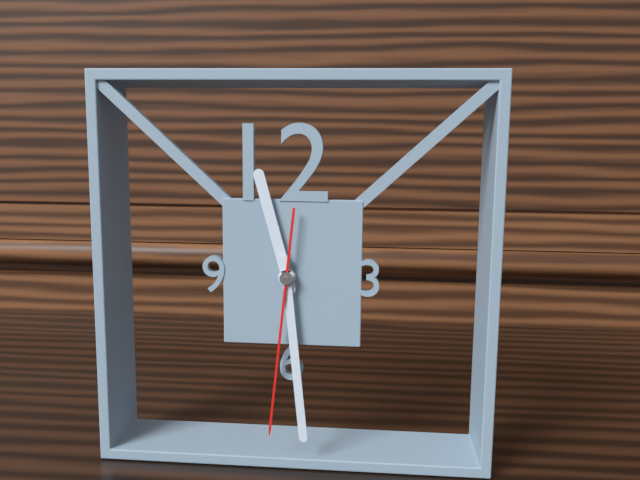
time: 11:29:31
